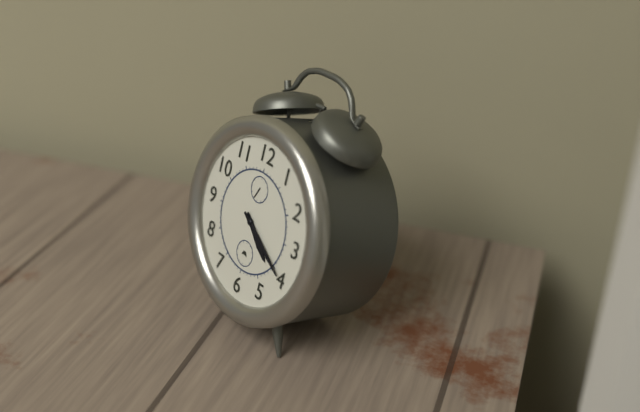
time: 4:20
